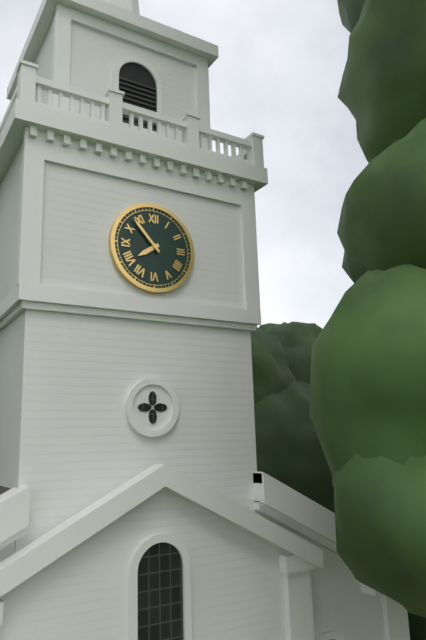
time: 7:53
